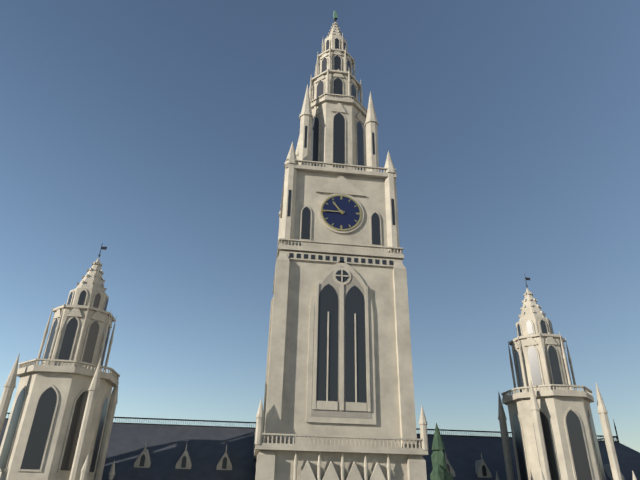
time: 10:45
